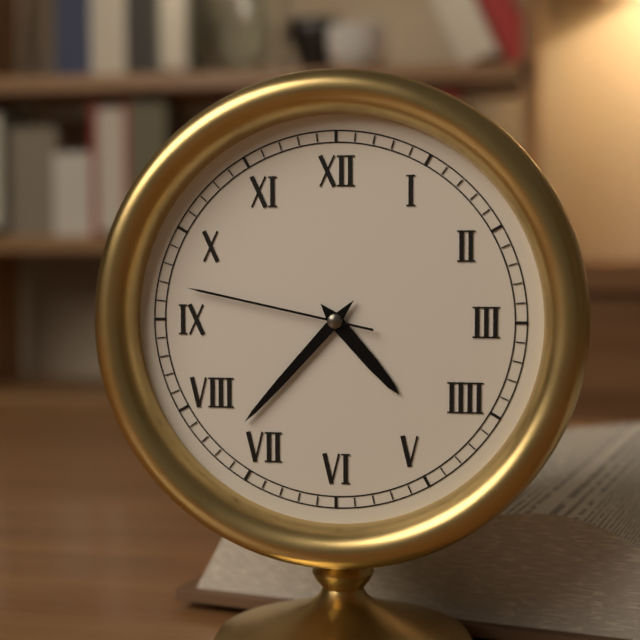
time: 4:37:47
